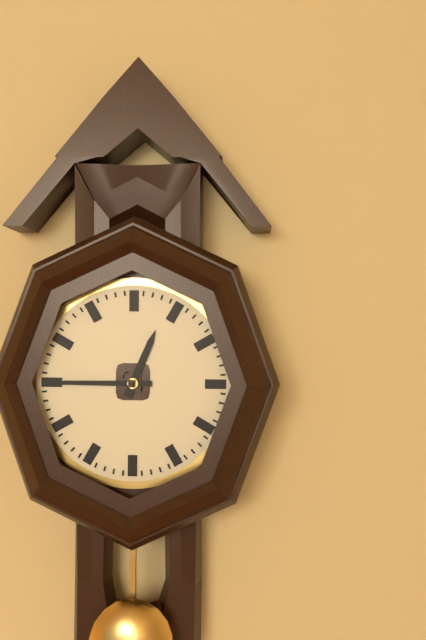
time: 12:45
